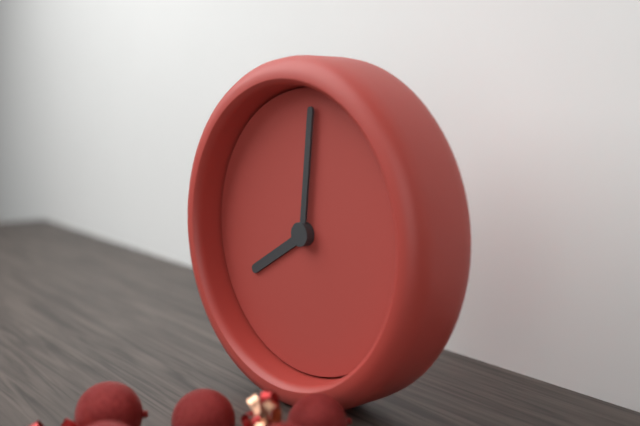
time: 8:01
